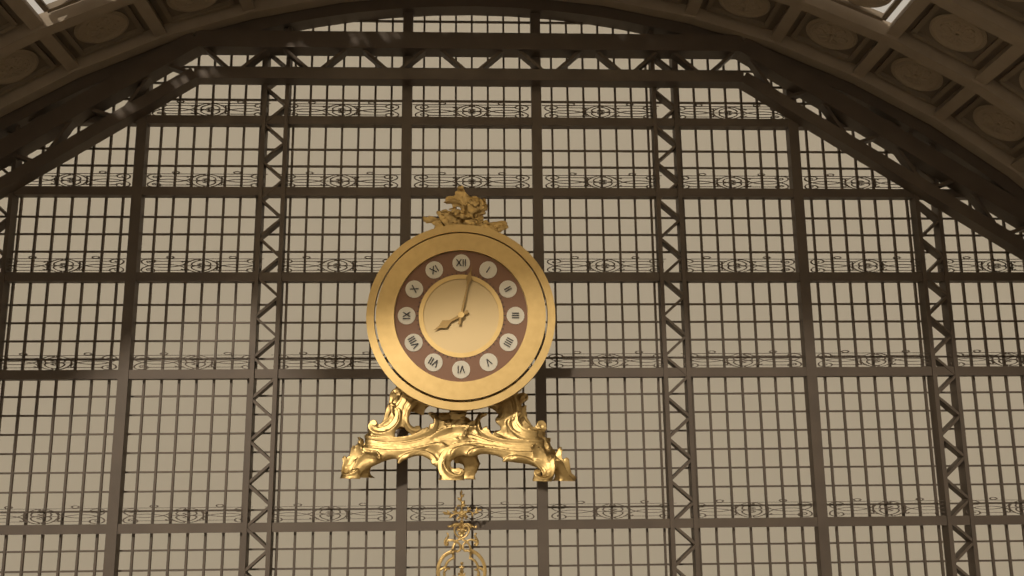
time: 8:02
